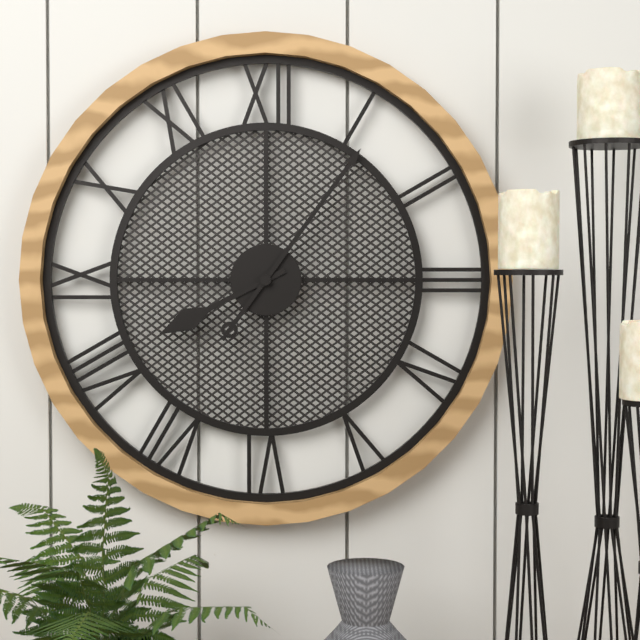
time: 8:06
